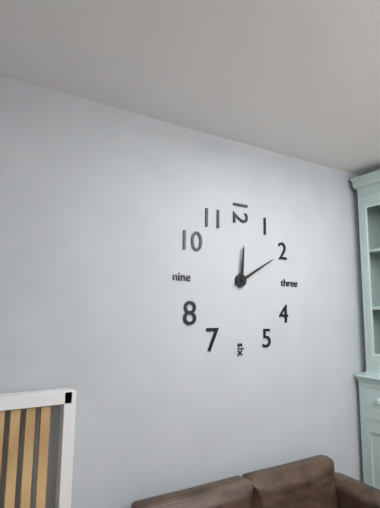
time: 12:10
